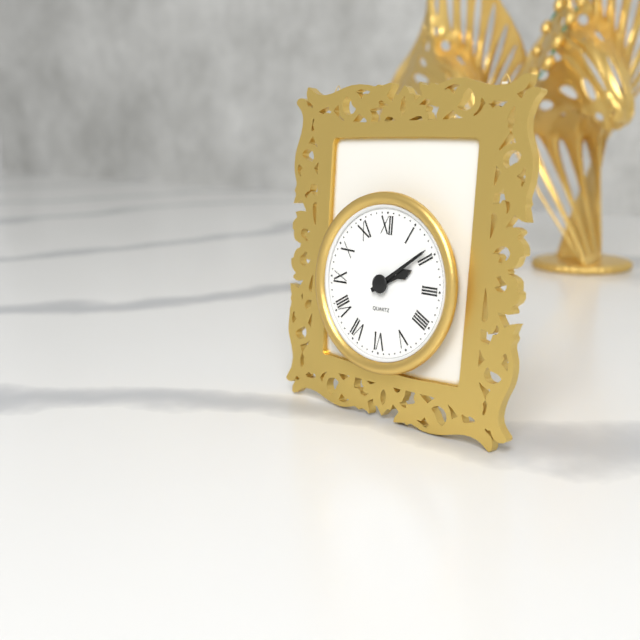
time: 2:09
